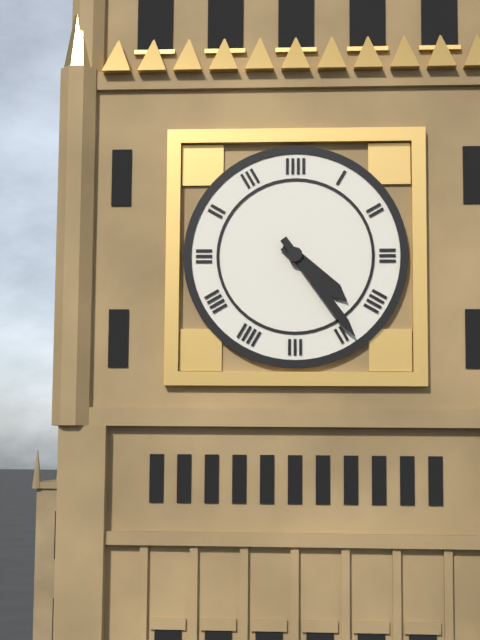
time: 4:24
